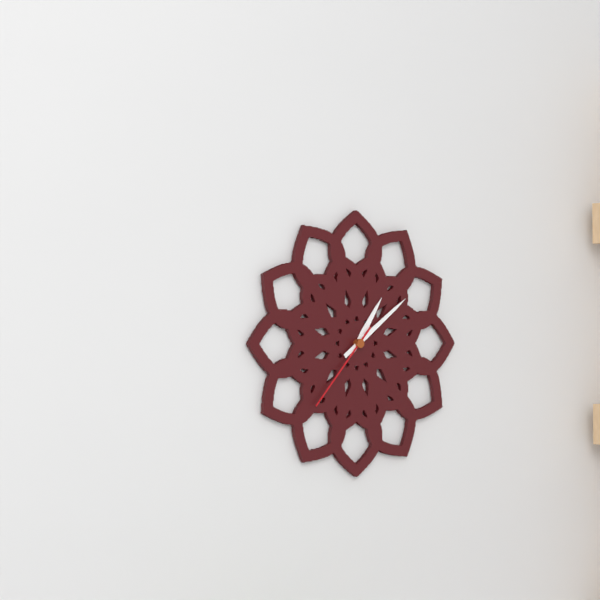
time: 1:09:37
